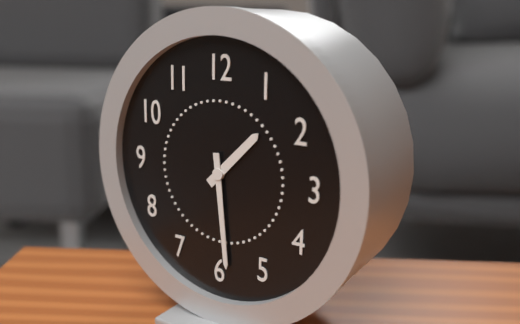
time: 1:29
